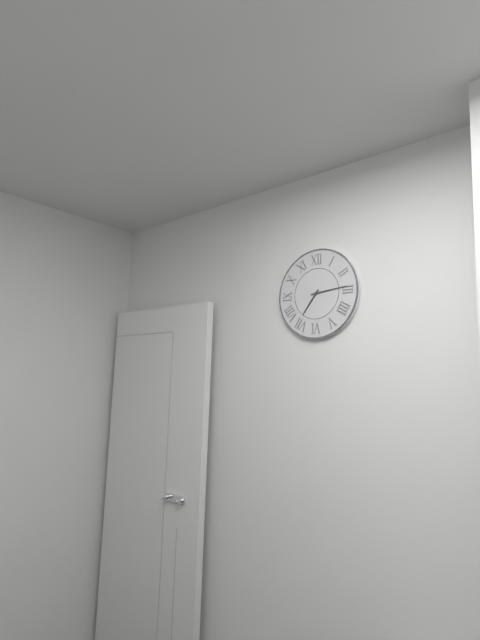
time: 7:14
